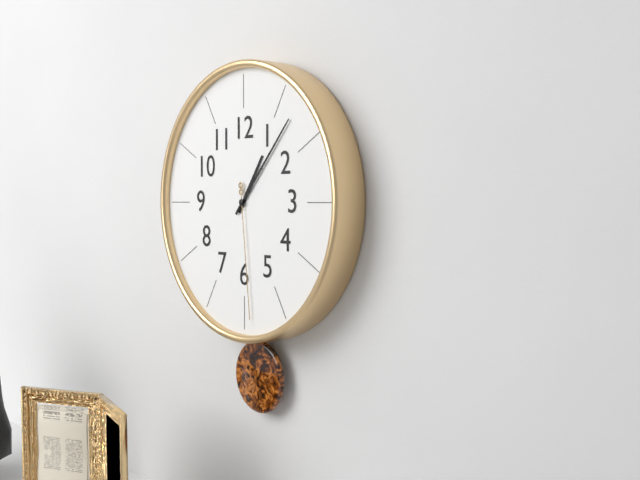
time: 1:07:29
